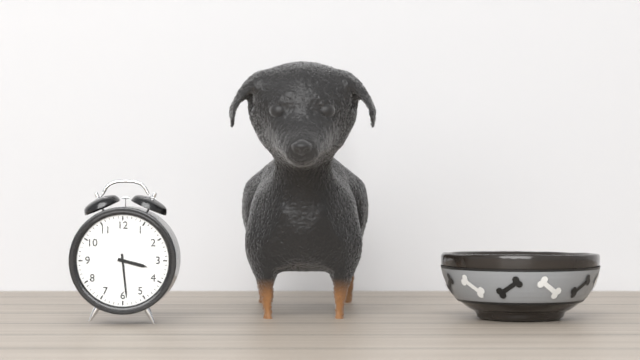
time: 3:29
